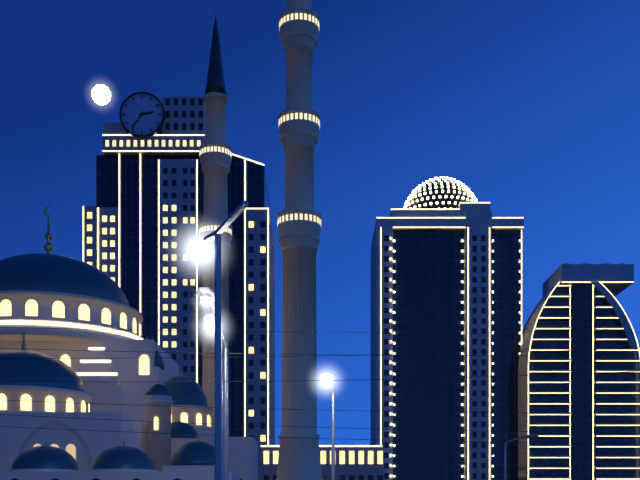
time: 2:36
